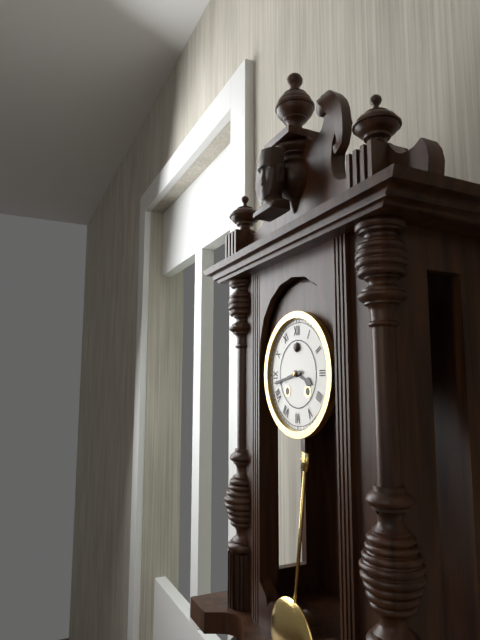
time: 3:43
